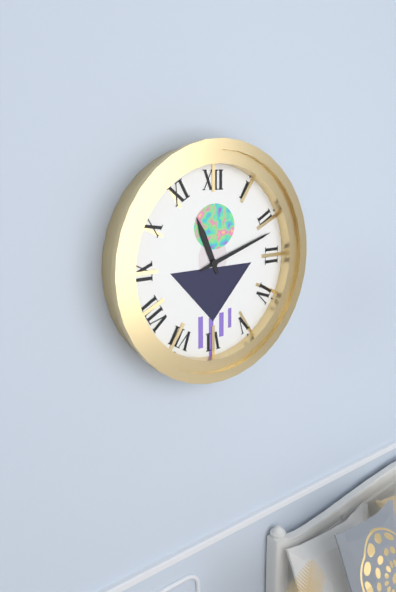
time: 11:12
